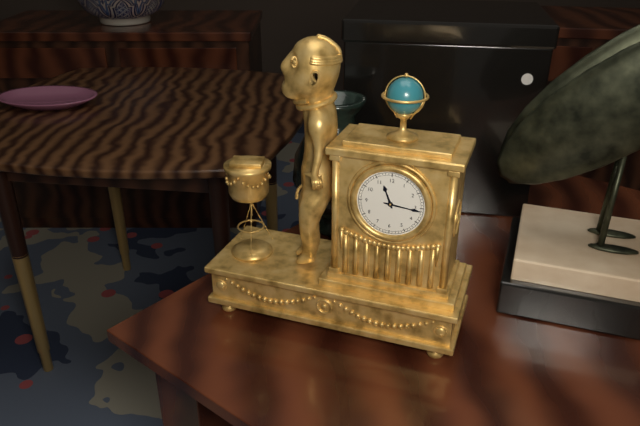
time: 11:16
